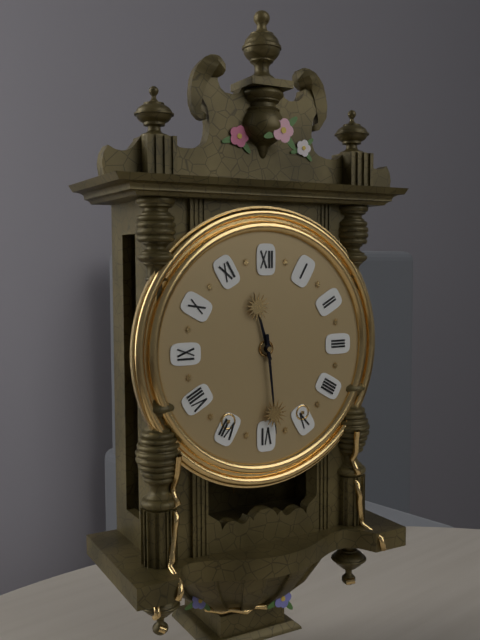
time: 11:29
